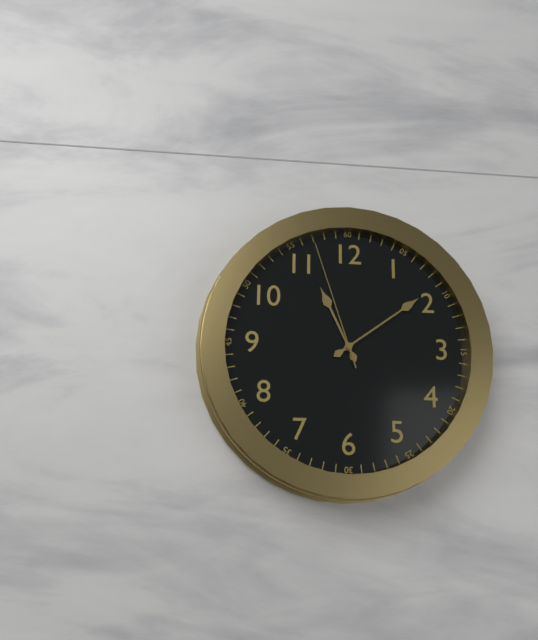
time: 11:09:57
